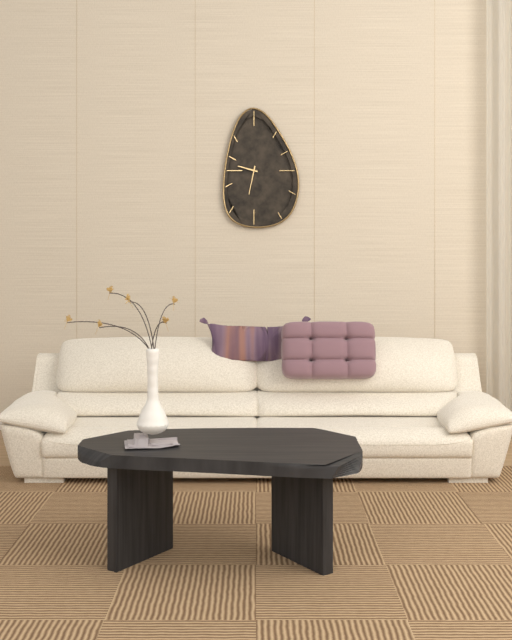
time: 9:32
